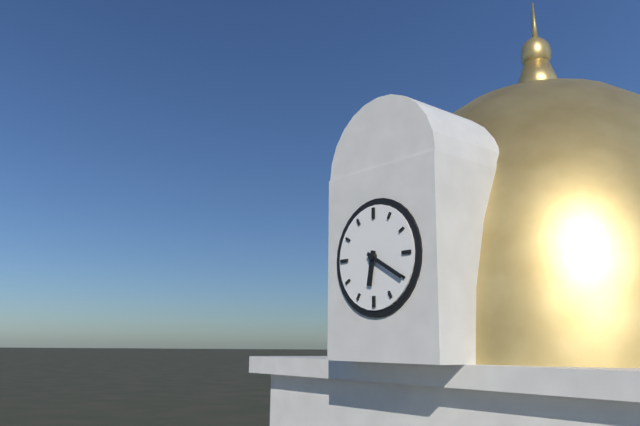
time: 6:20
